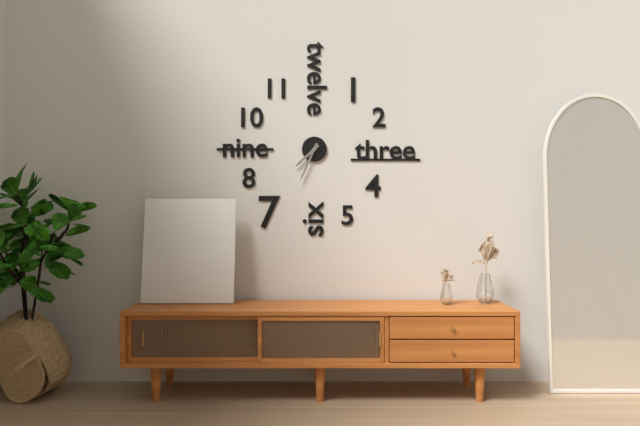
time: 7:34
